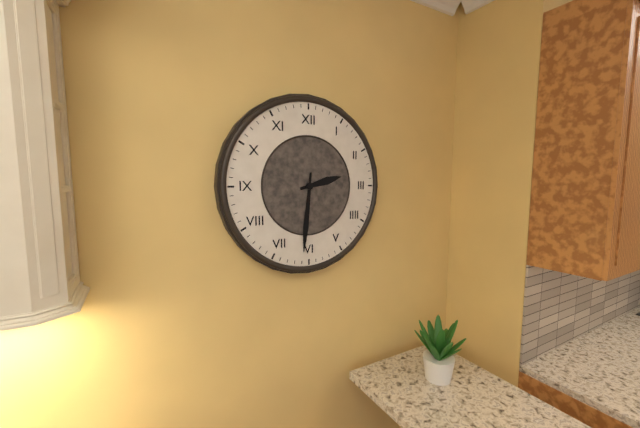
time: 2:31
